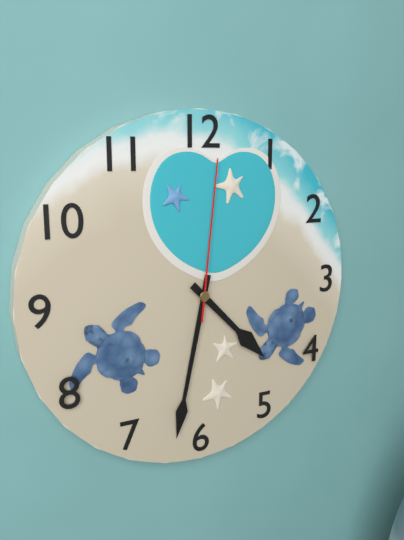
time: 4:32:01
